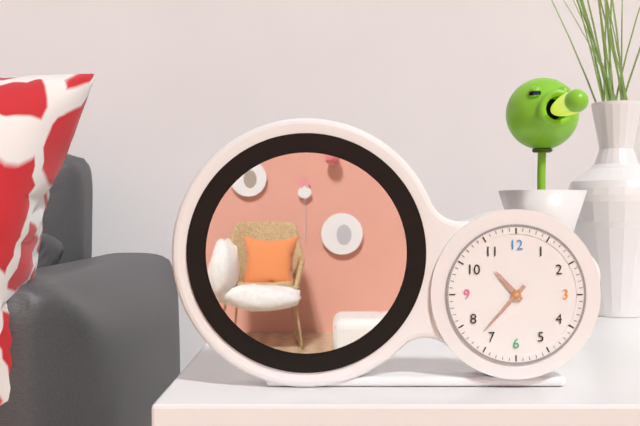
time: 10:37
